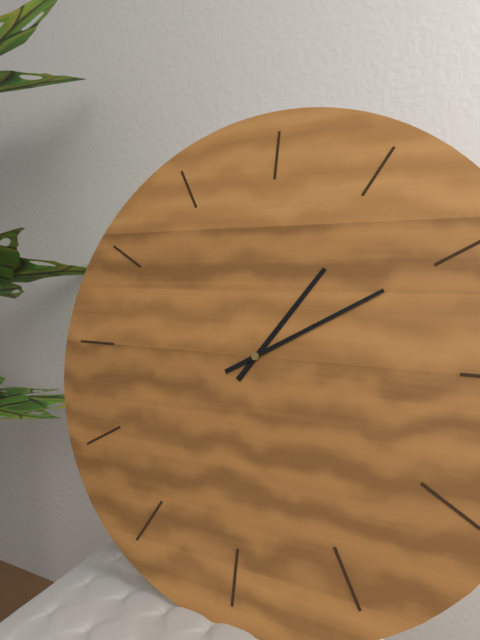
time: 1:10
